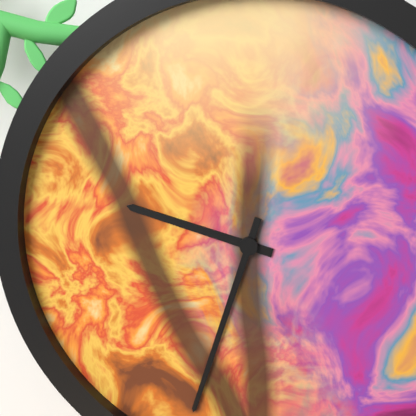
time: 9:33
